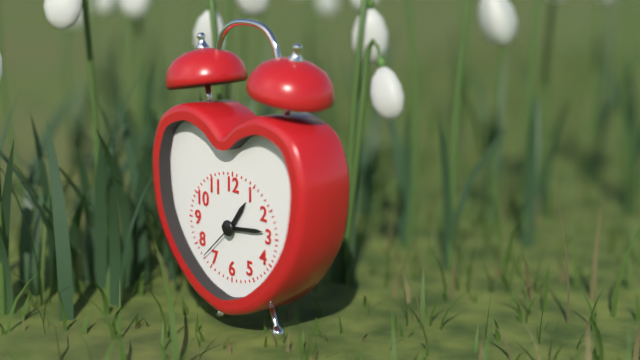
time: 1:14
